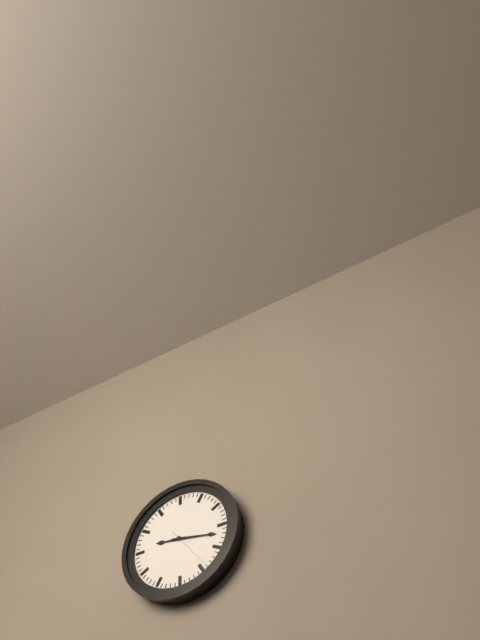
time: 9:17
